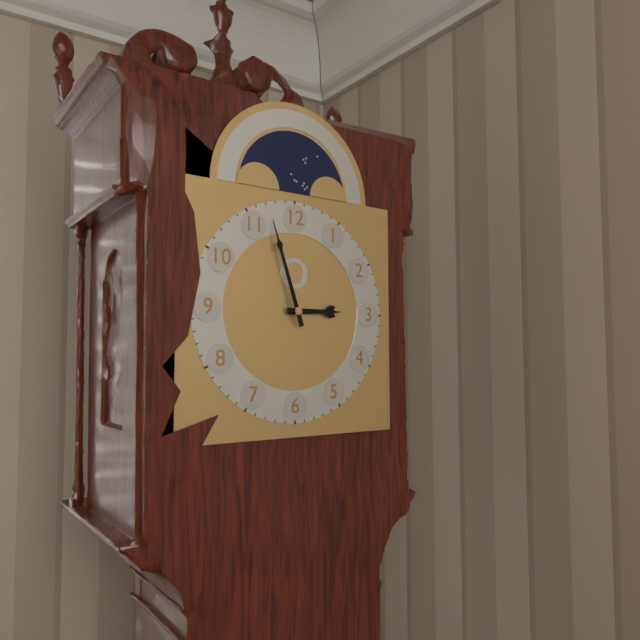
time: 2:57
